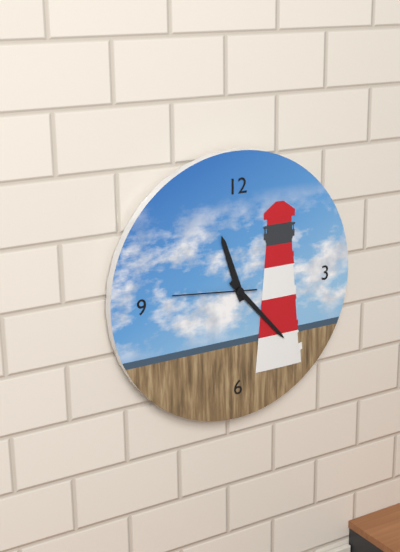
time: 11:23:46
